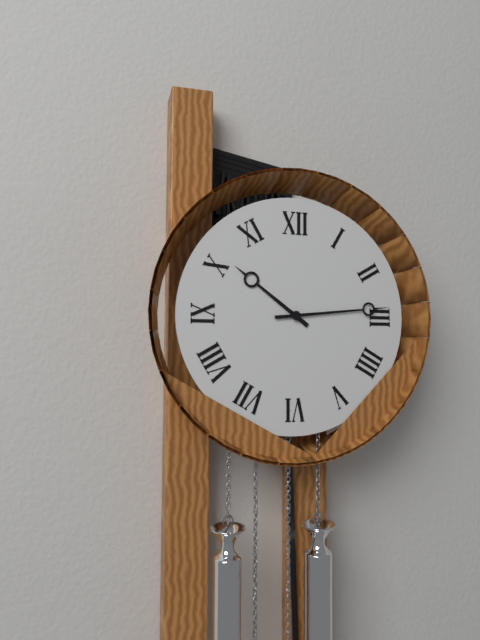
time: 10:14
